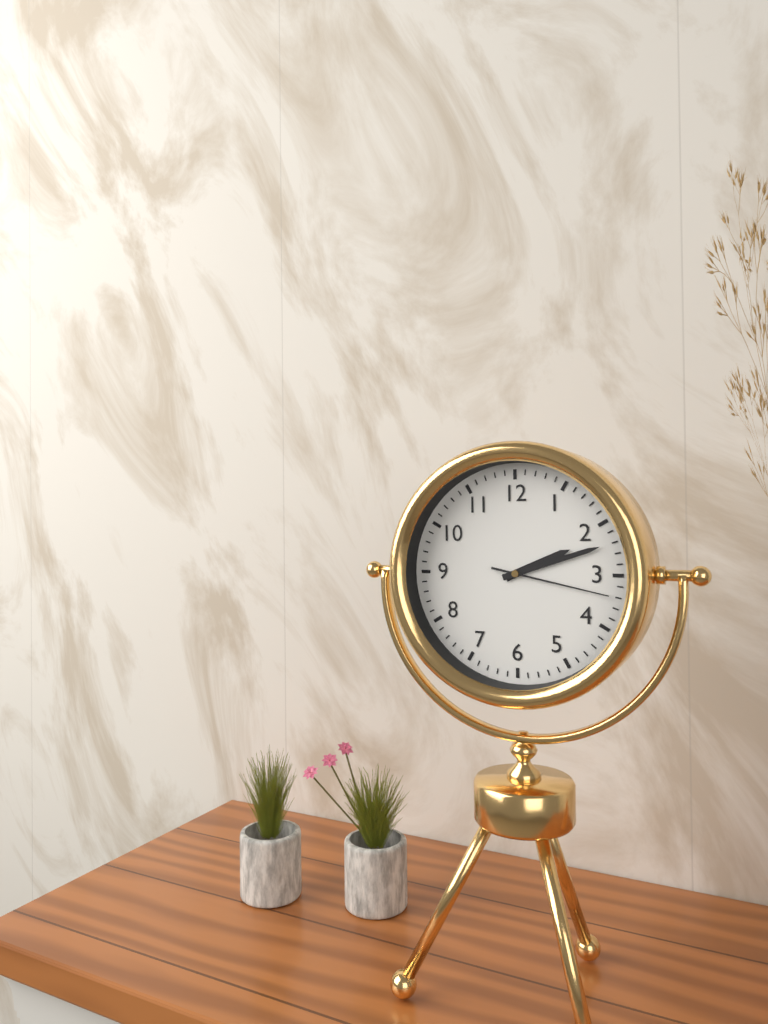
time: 2:12:17
